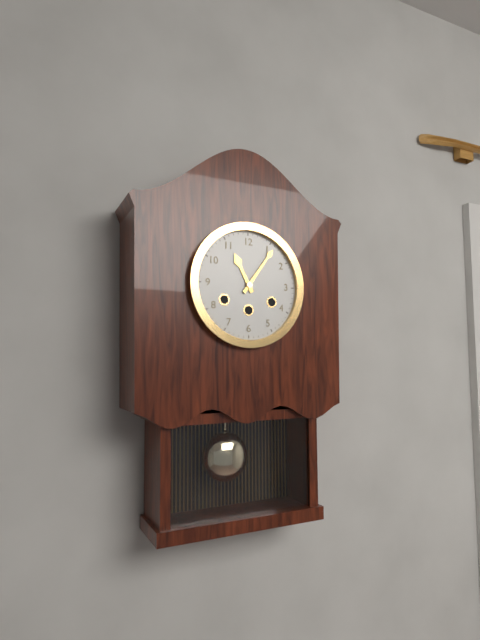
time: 11:06
